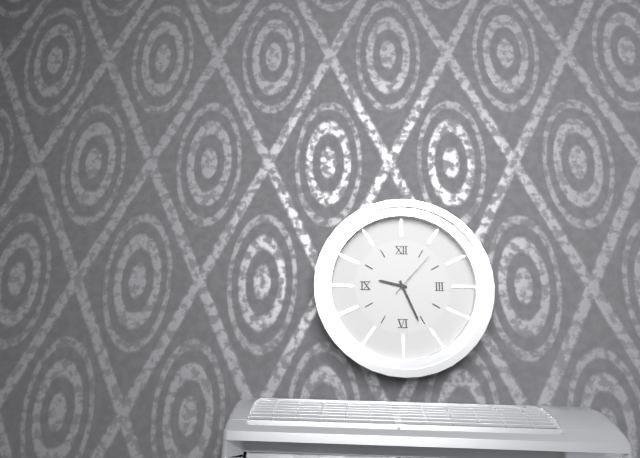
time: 9:26
